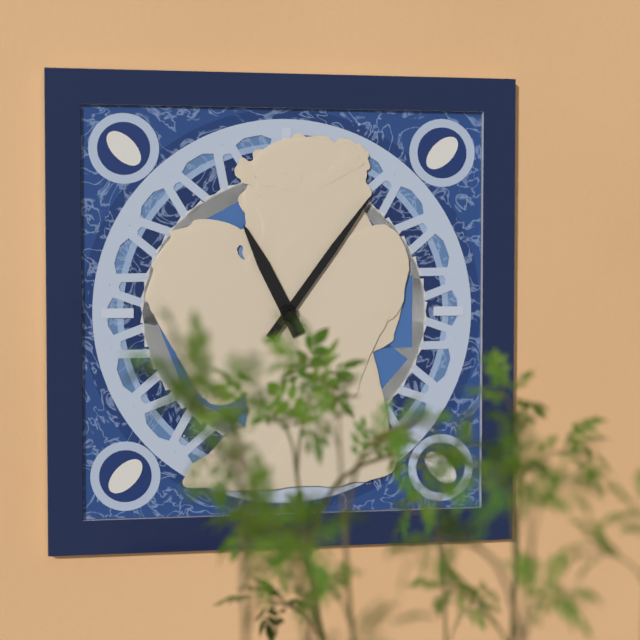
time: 11:06
